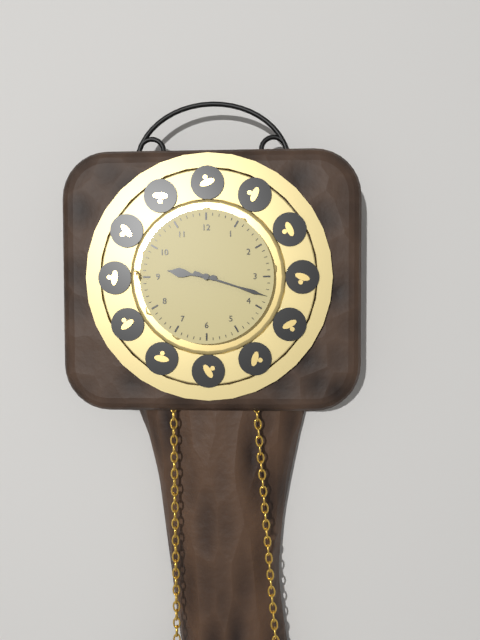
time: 9:18
